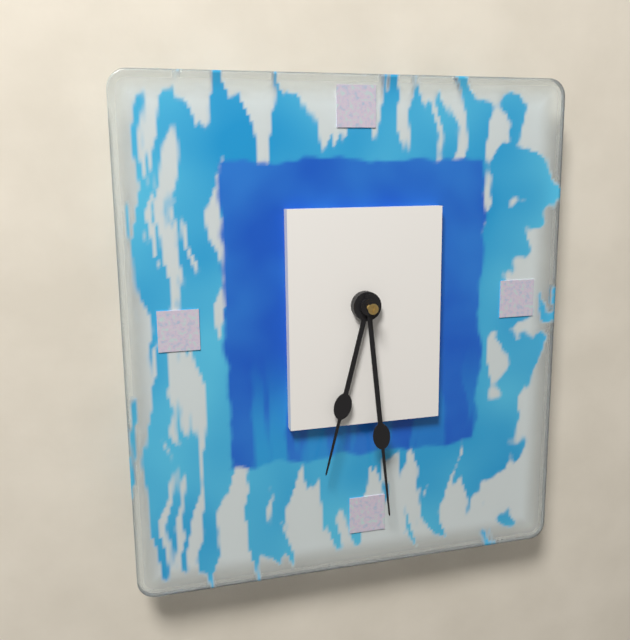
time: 6:29
